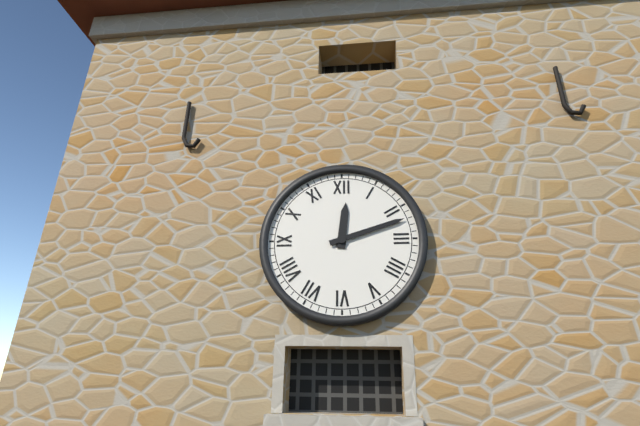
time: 12:12
